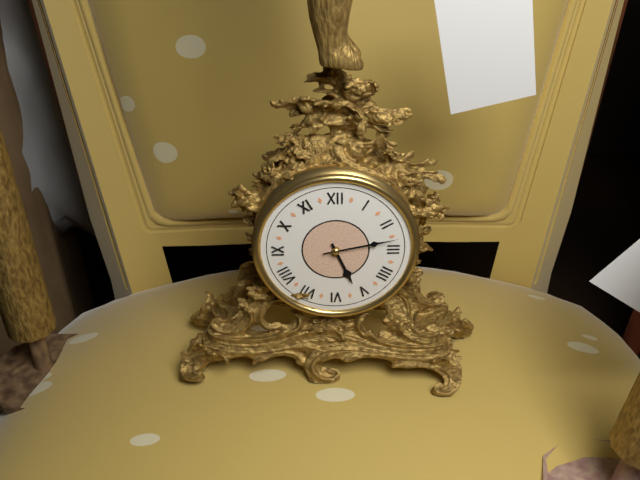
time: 5:13
